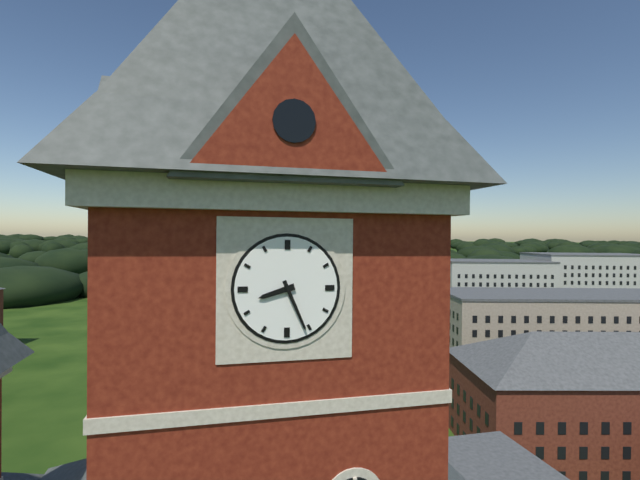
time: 8:26
